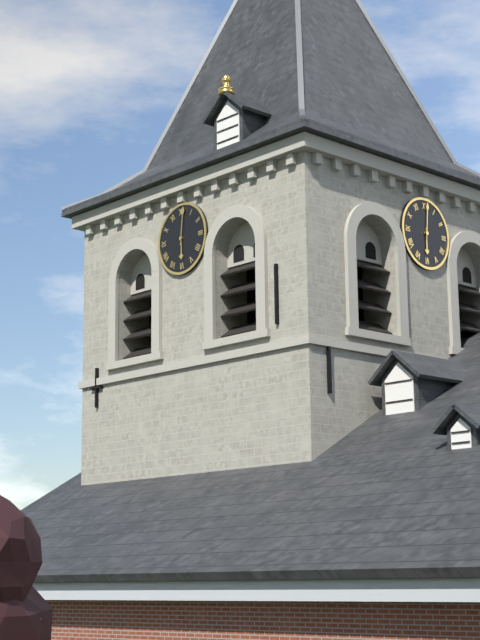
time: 6:01
